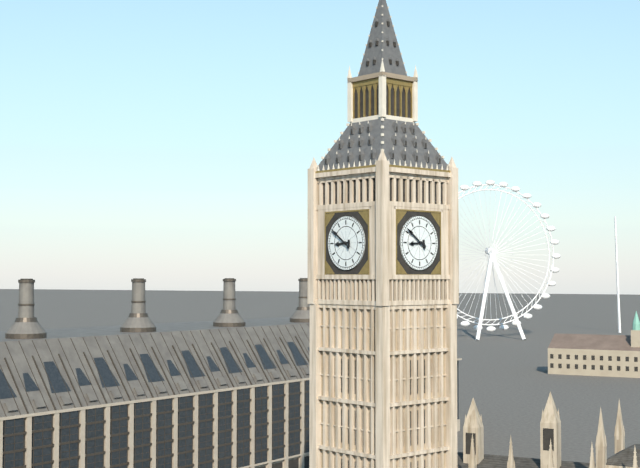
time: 8:51
